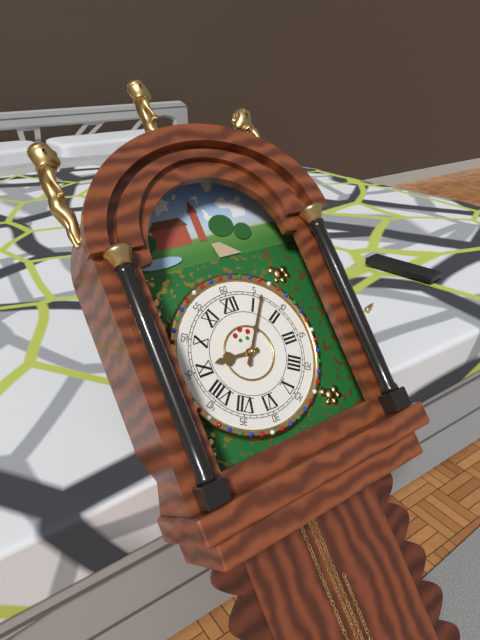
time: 9:06
